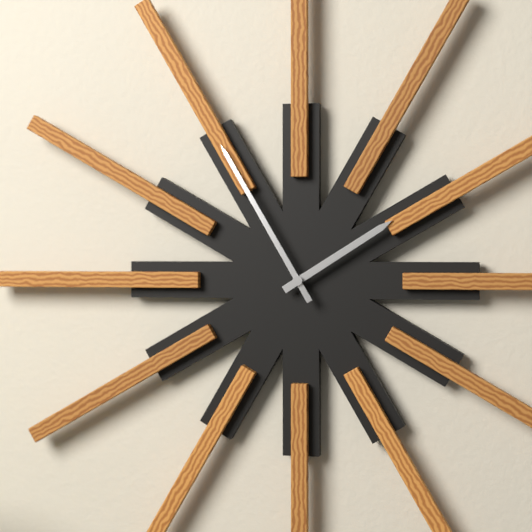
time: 1:55
